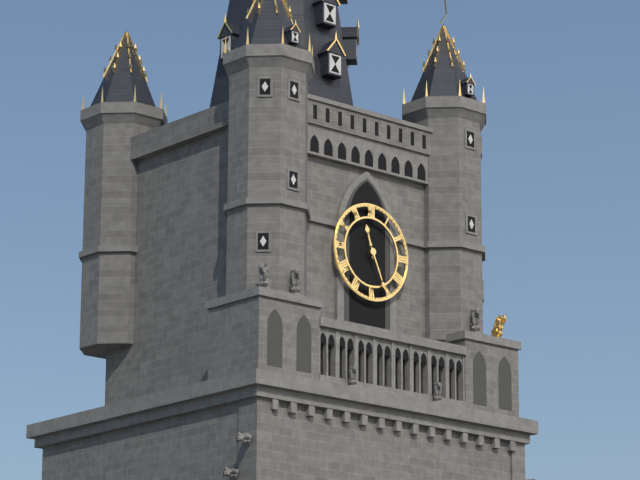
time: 11:26
